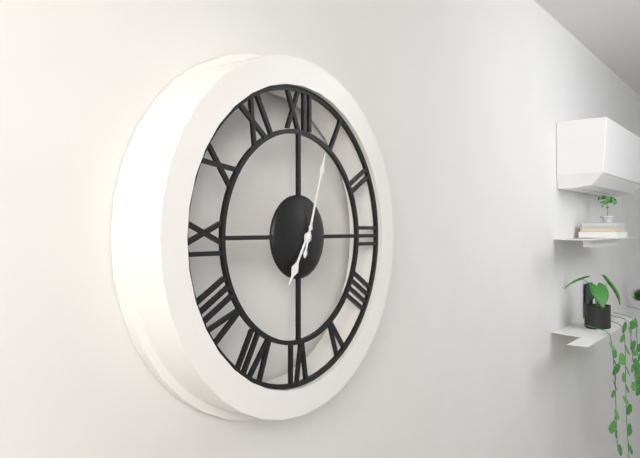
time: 7:03
